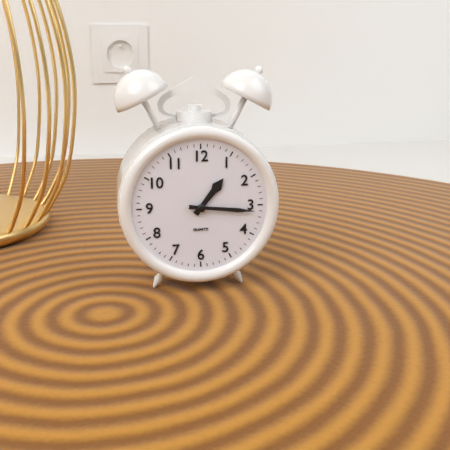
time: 1:16
